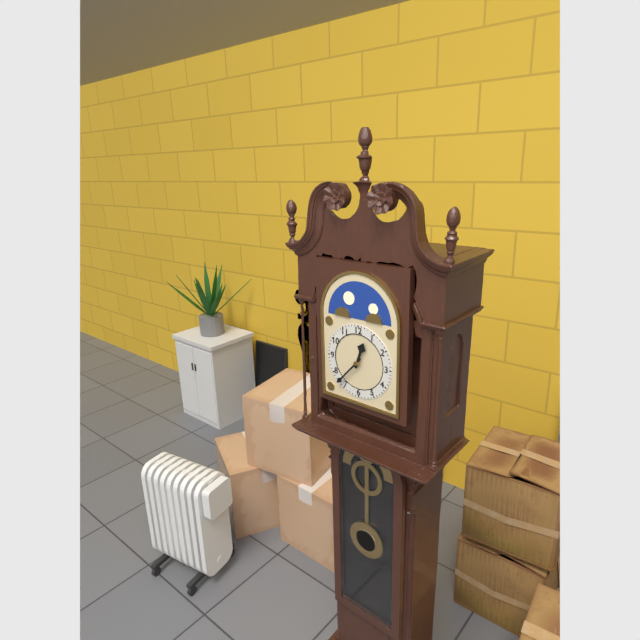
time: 12:37
